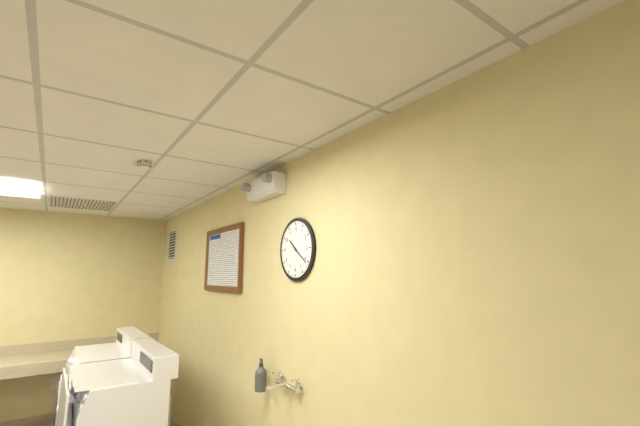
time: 10:21
